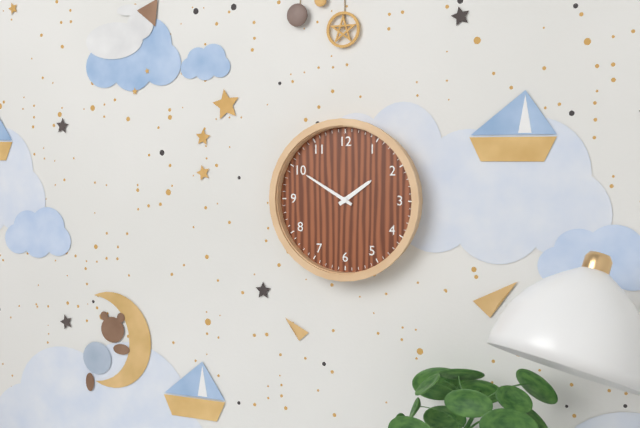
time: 1:50
